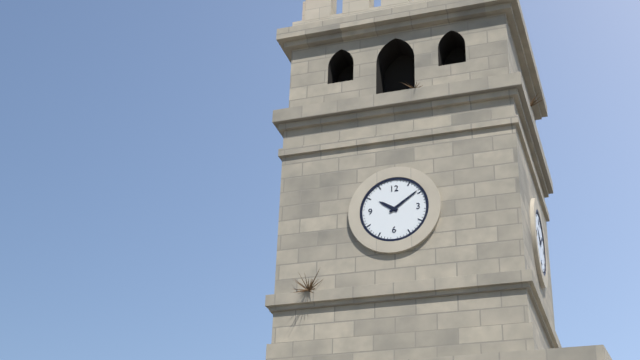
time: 10:09
